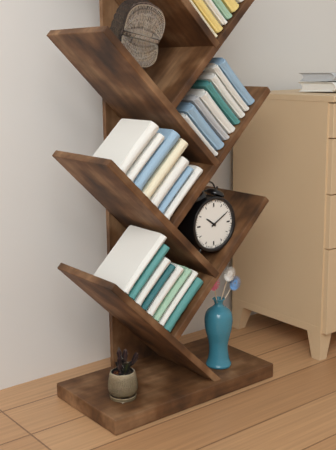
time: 10:10
